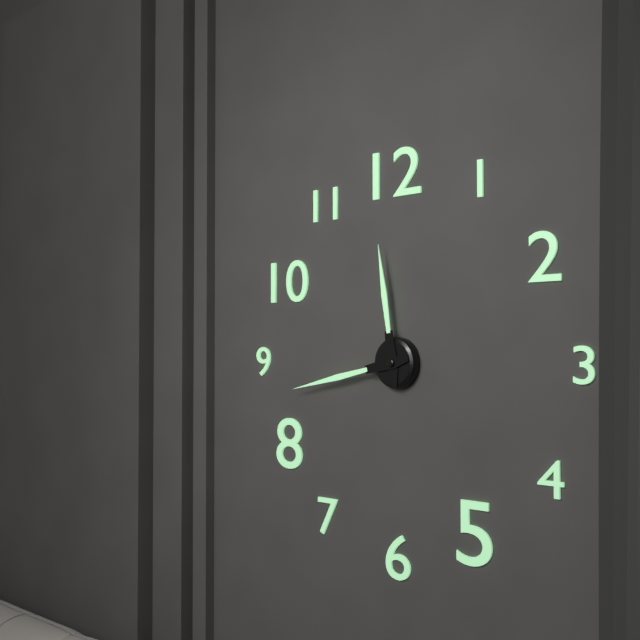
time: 11:43
